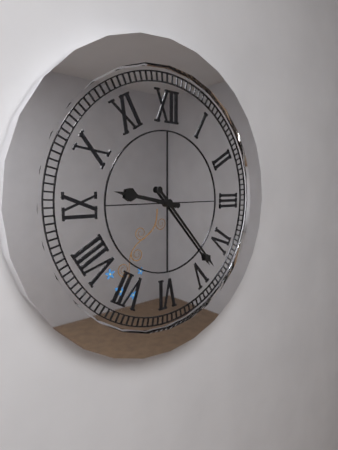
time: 9:23
